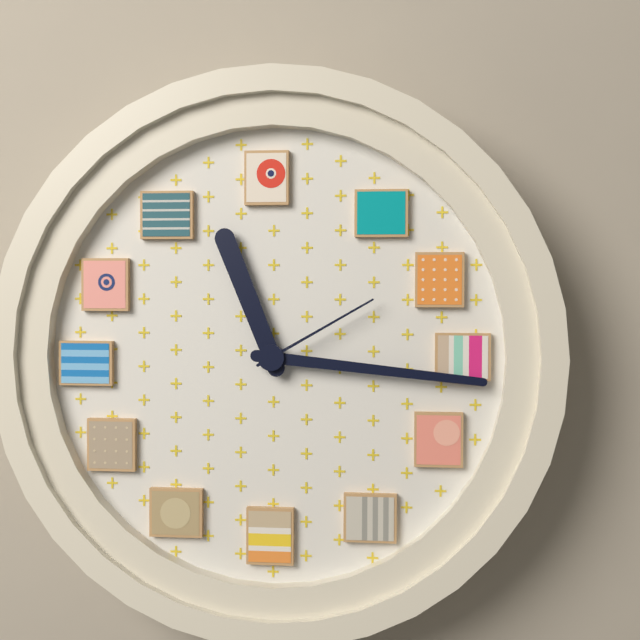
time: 11:16:10
